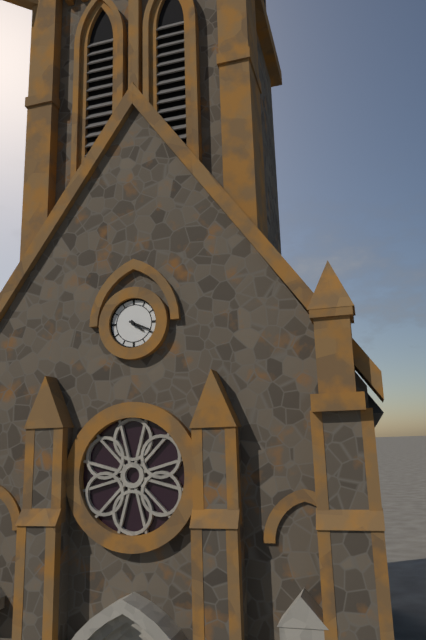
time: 4:19
